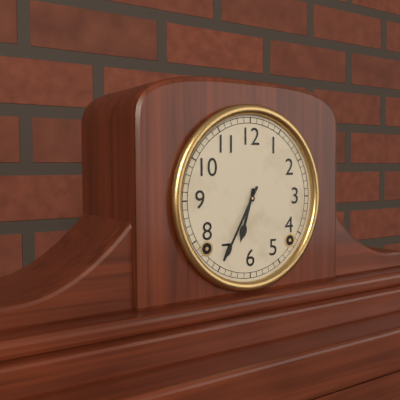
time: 6:35
